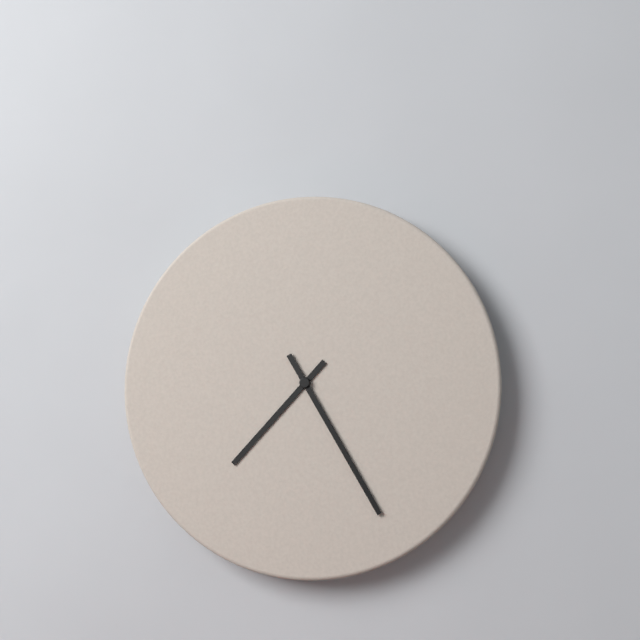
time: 7:25
